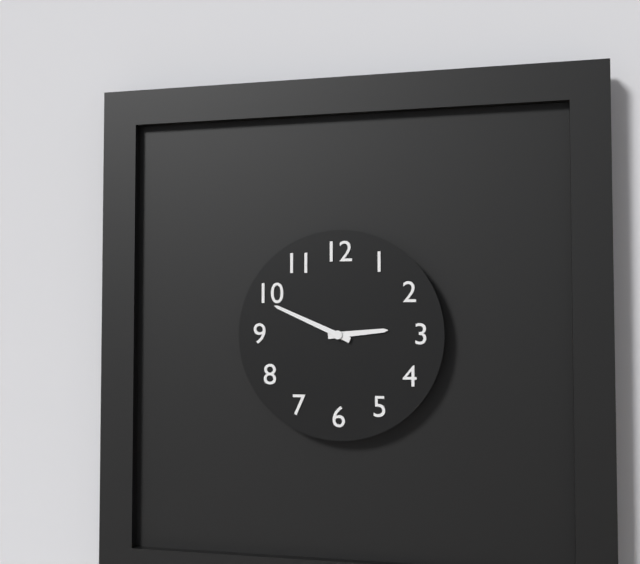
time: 2:49
